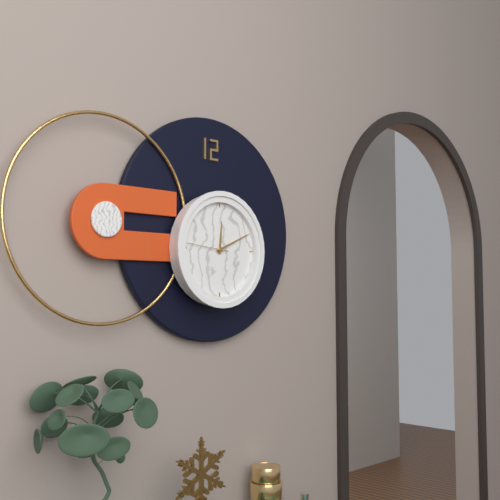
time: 12:11
